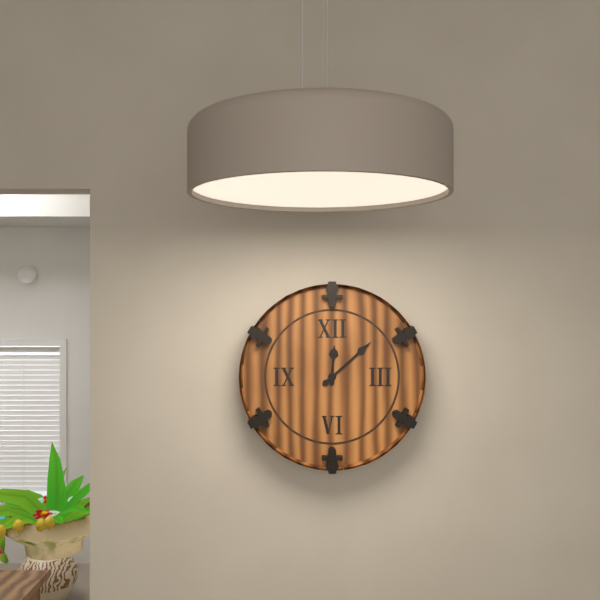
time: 12:08
